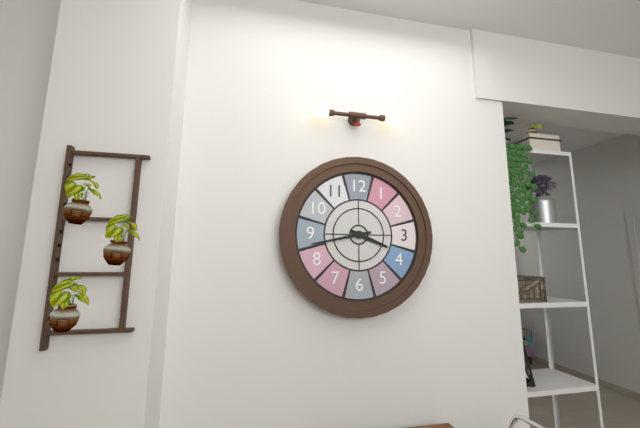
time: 3:43
